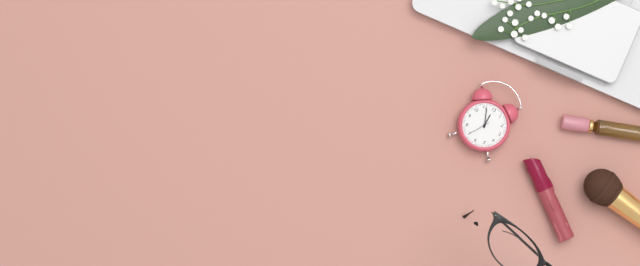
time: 11:56
